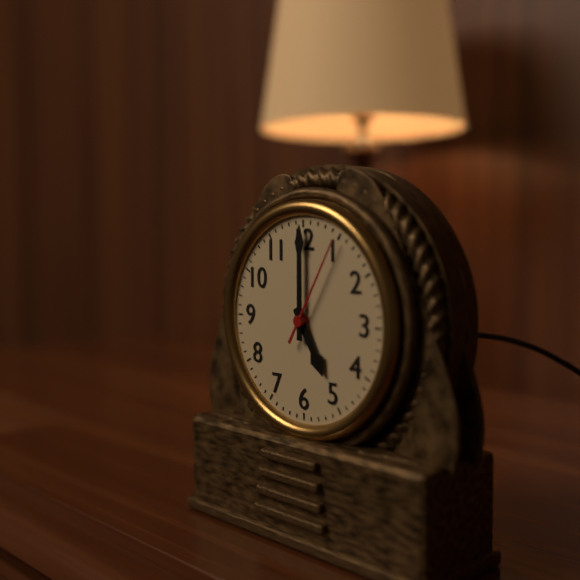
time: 5:00:05
